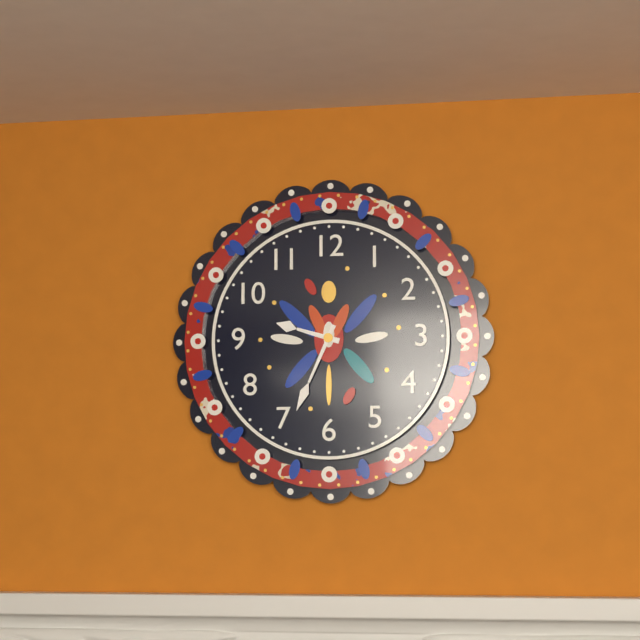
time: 9:34
